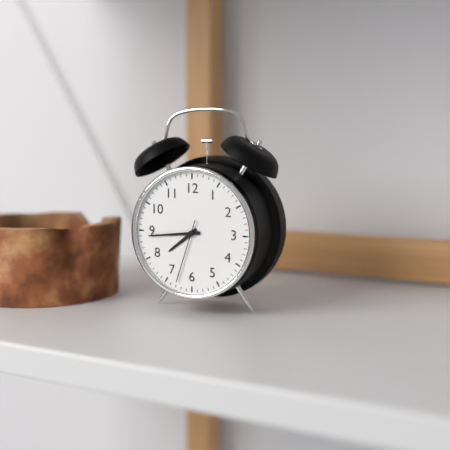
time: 7:44:33
